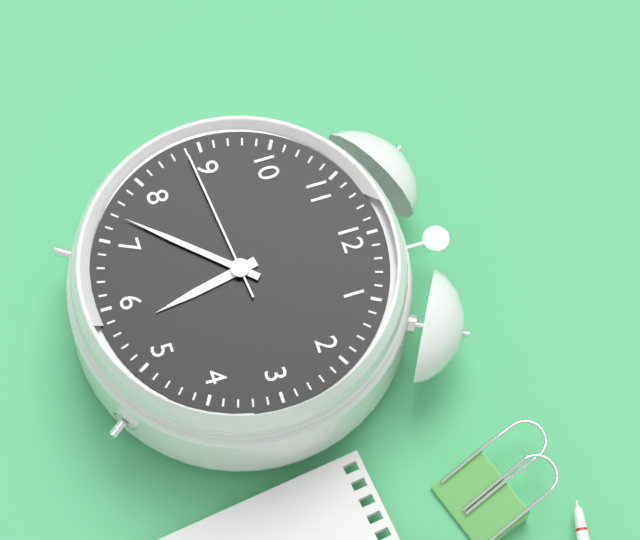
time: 5:37:44
